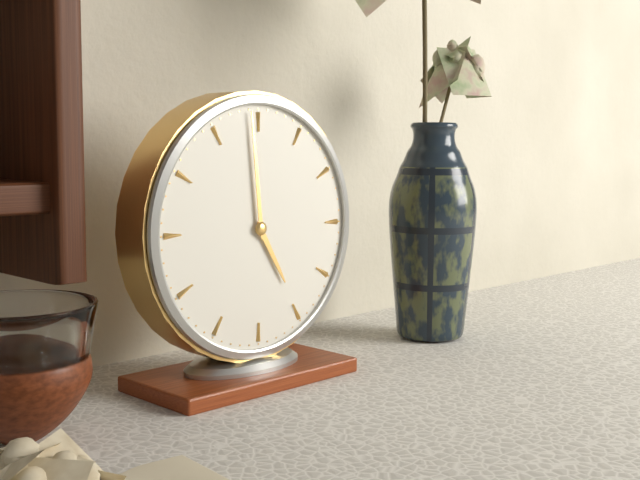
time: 4:59
